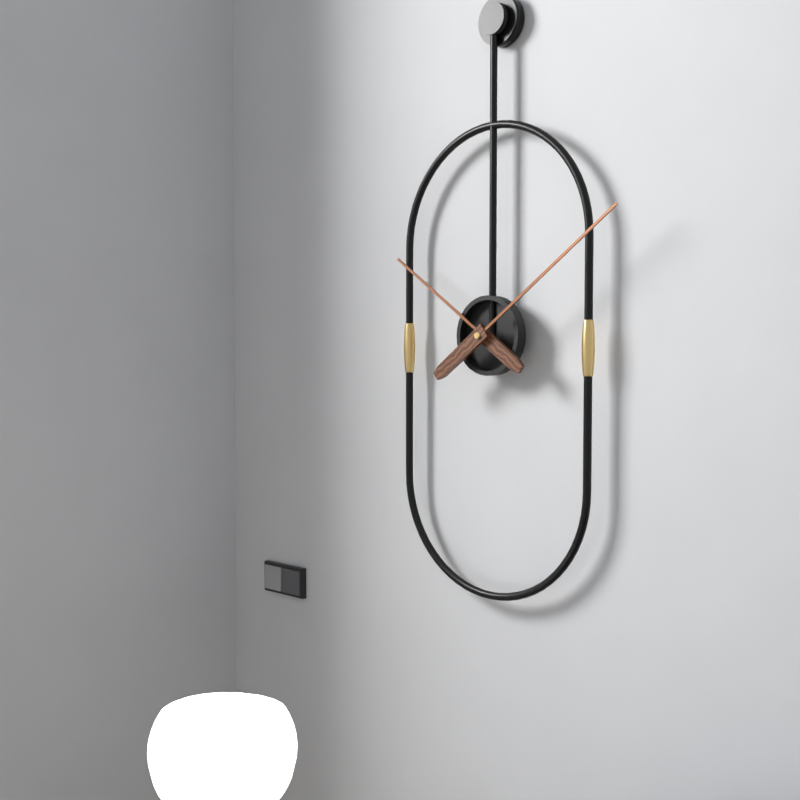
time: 10:09
